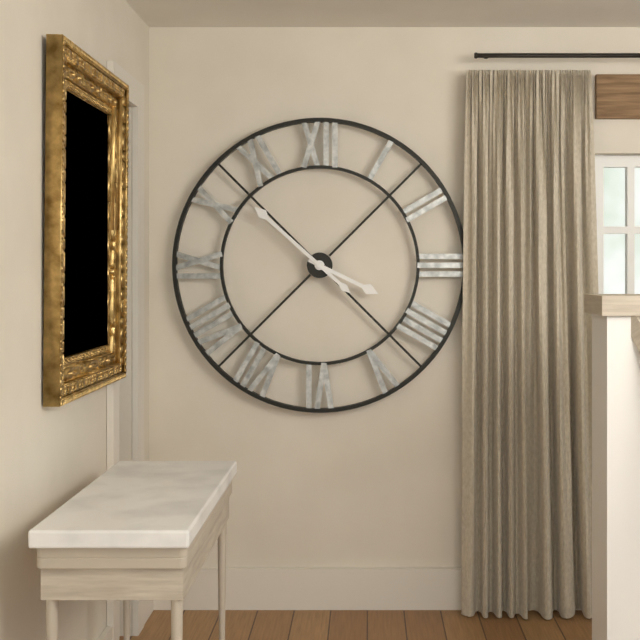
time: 3:52
